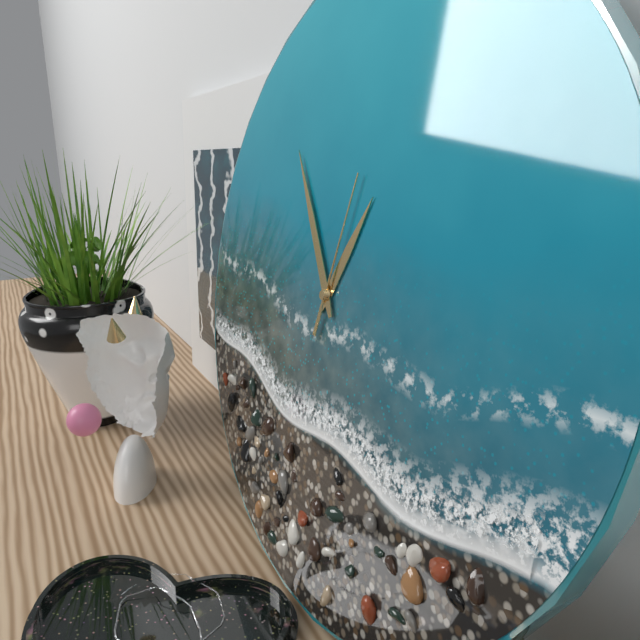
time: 12:54:02
